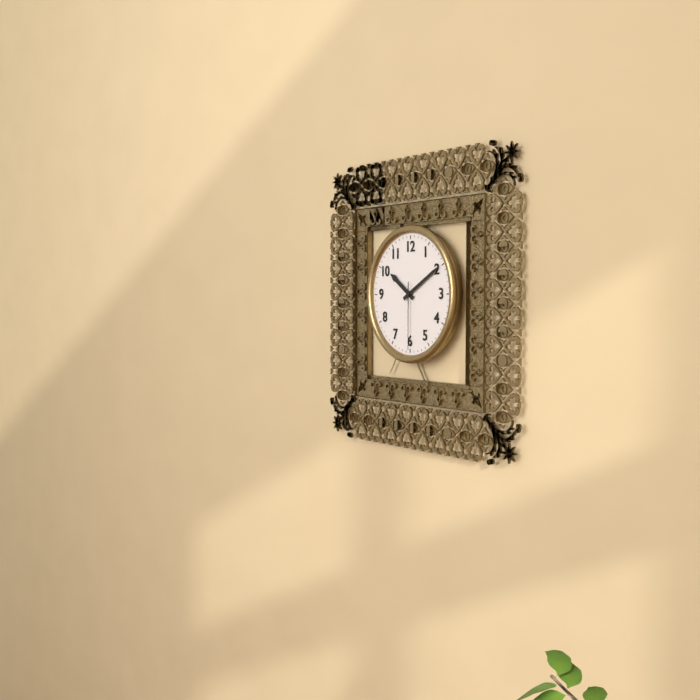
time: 10:10:30
